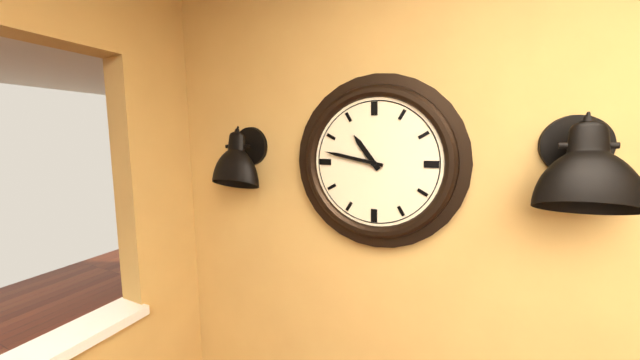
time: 10:47
